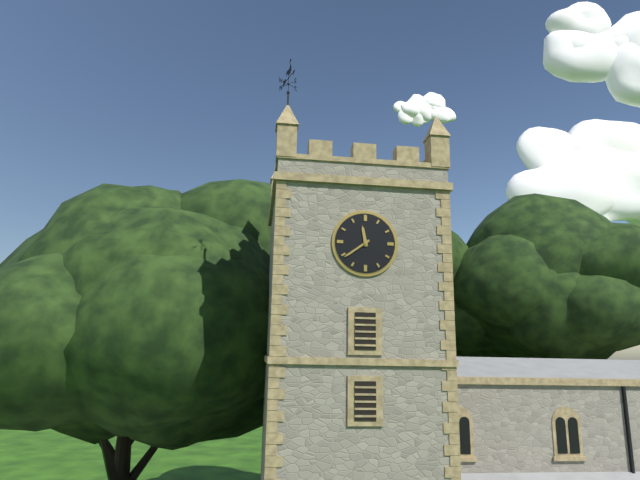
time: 11:39
